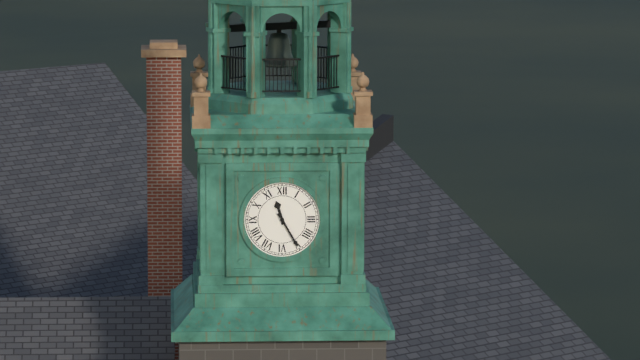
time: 11:25
